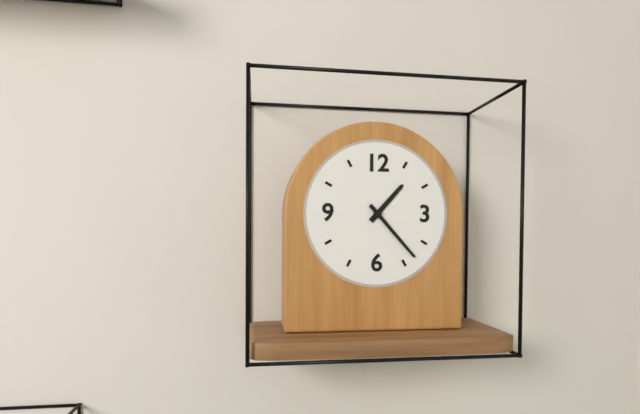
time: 1:23
